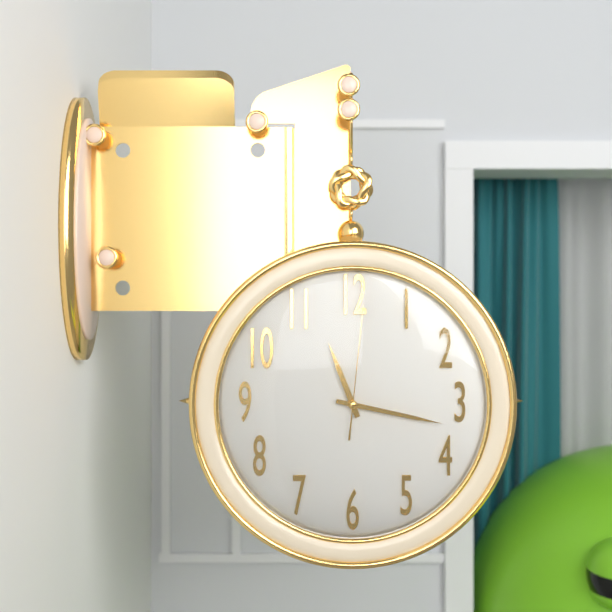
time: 11:17:01
